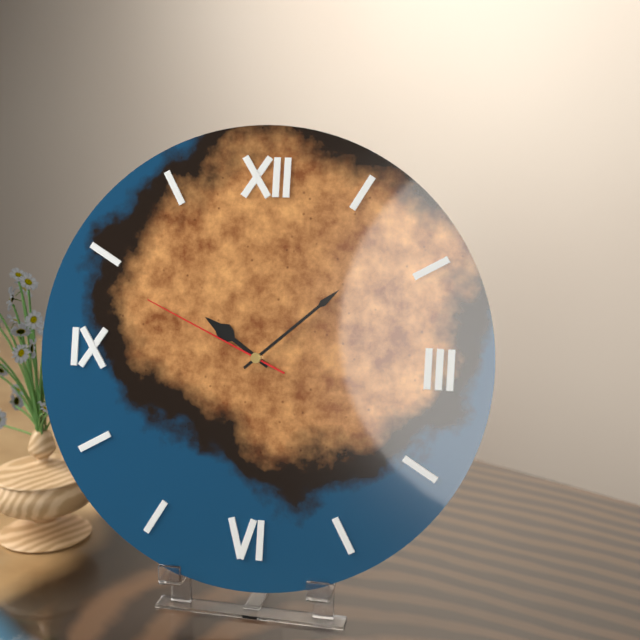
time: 10:08:49
